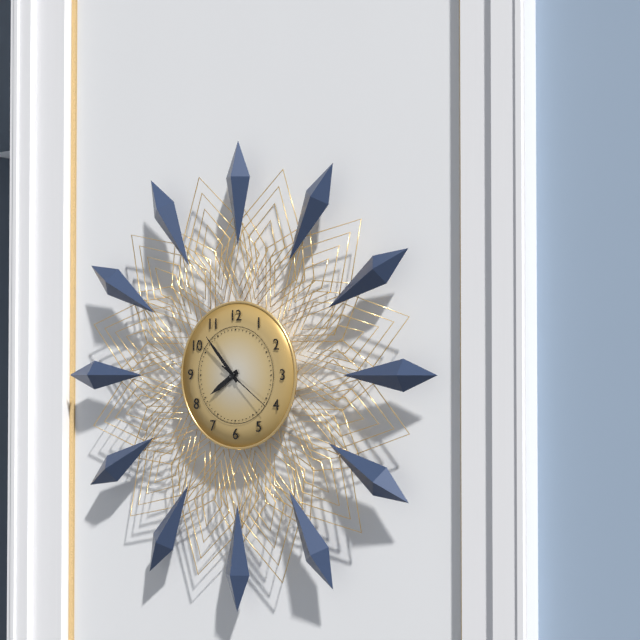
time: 7:53:21
